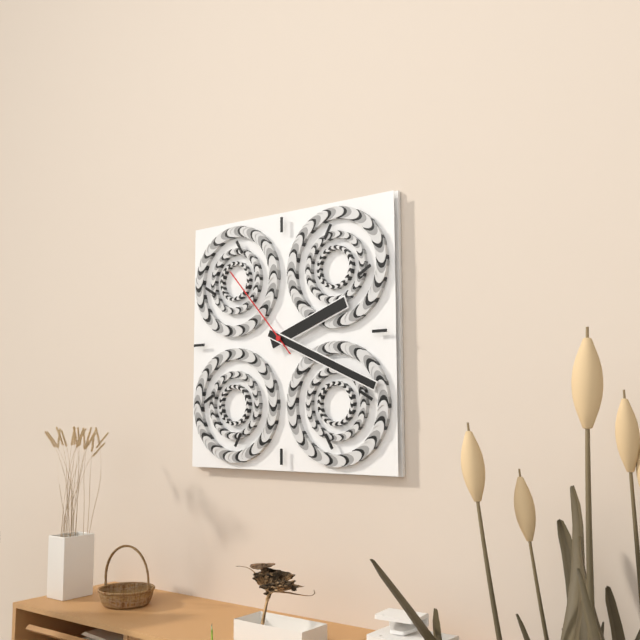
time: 2:19:53
